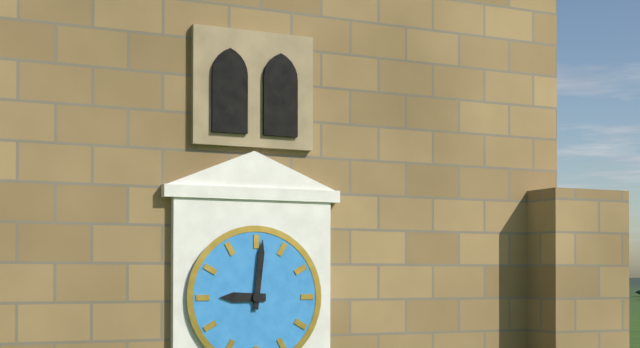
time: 9:01
